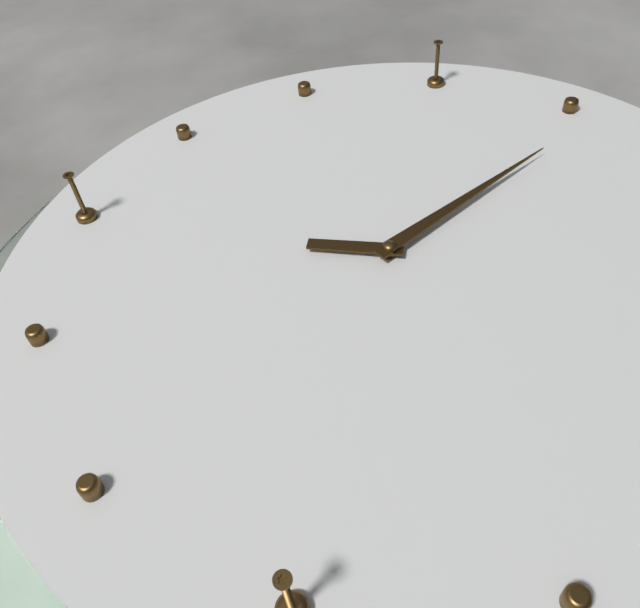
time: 5:51
